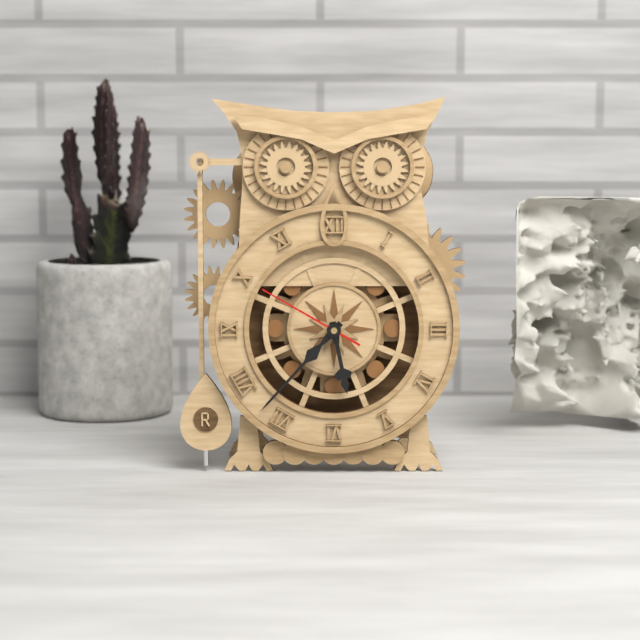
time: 5:37:50
